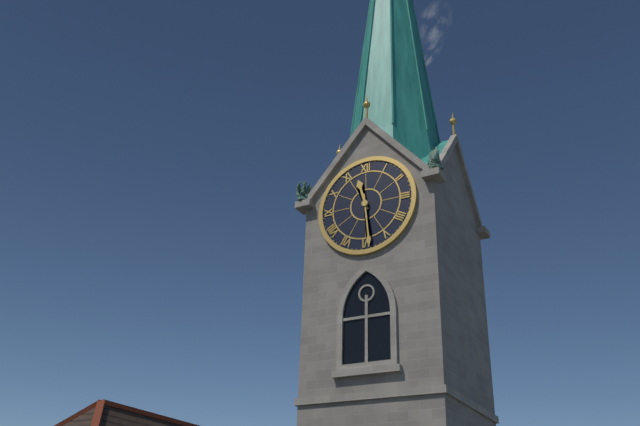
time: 11:29
